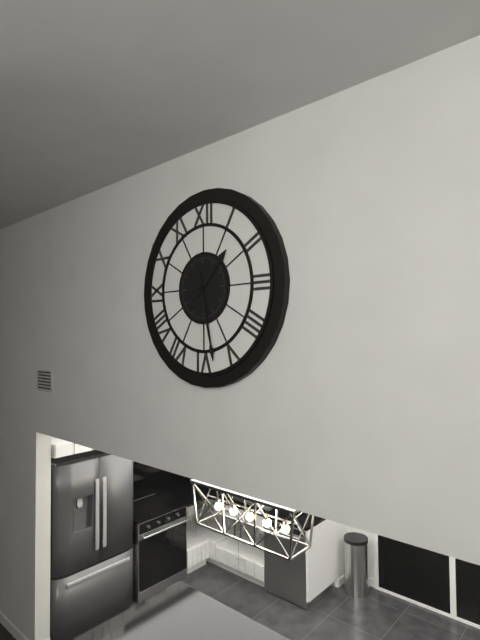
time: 1:28
